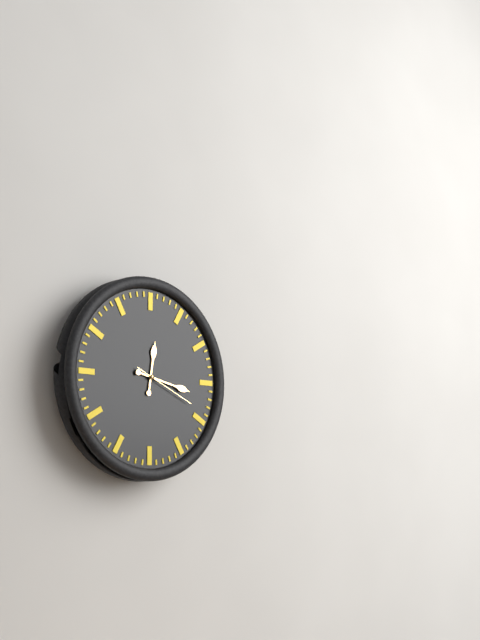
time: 12:17:19
